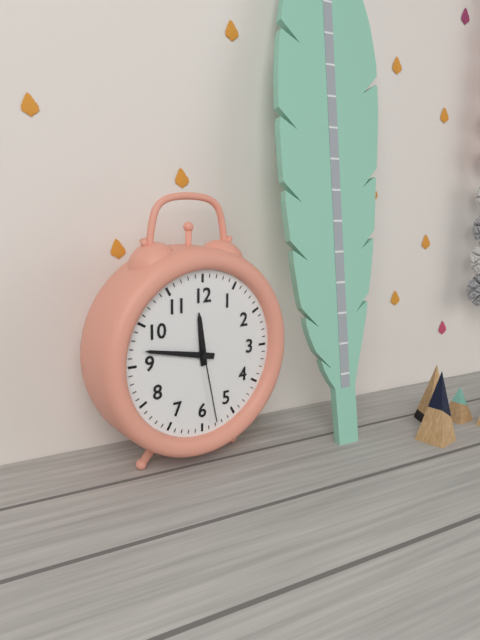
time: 11:47:28
